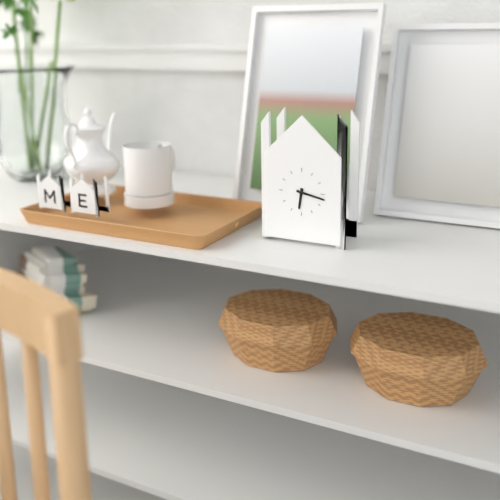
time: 6:17
